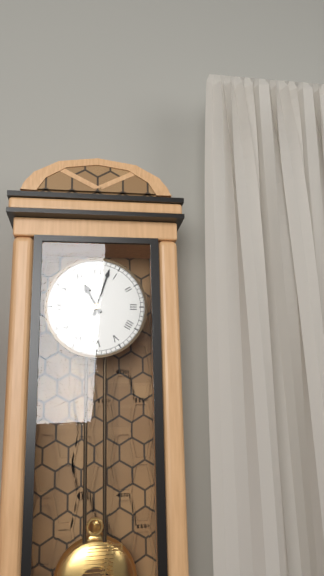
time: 11:03
